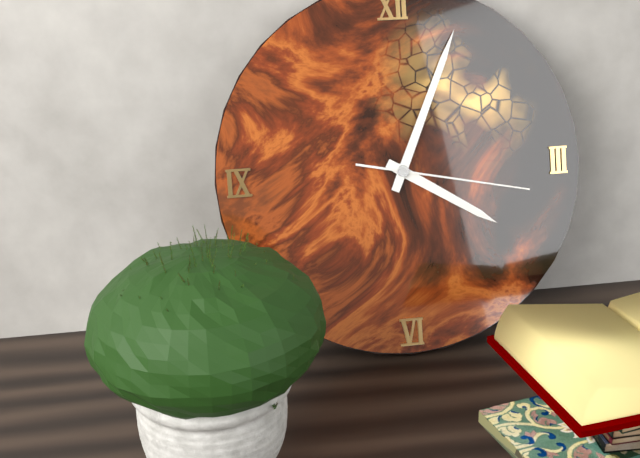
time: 4:04:17
